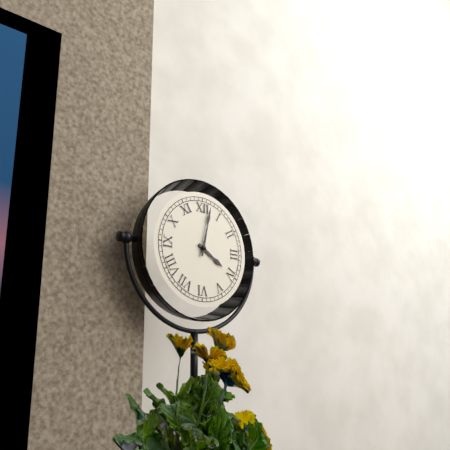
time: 4:02
